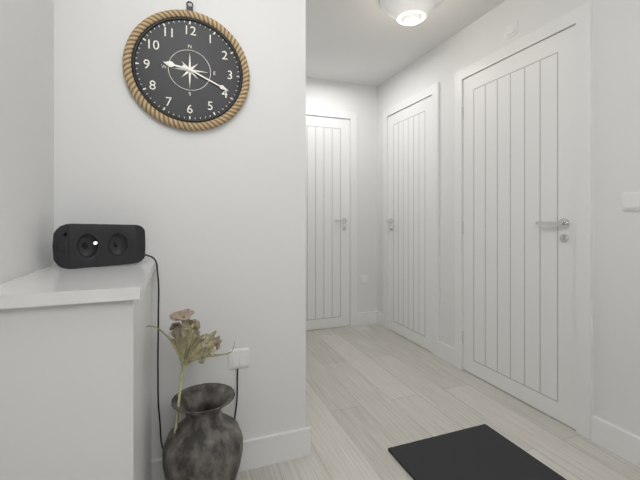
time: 9:19
